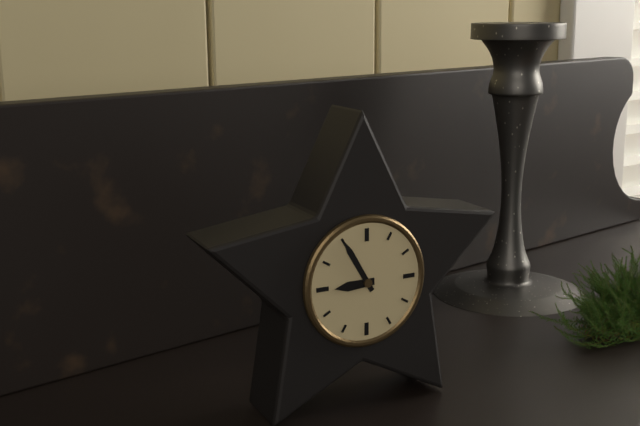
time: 8:55
